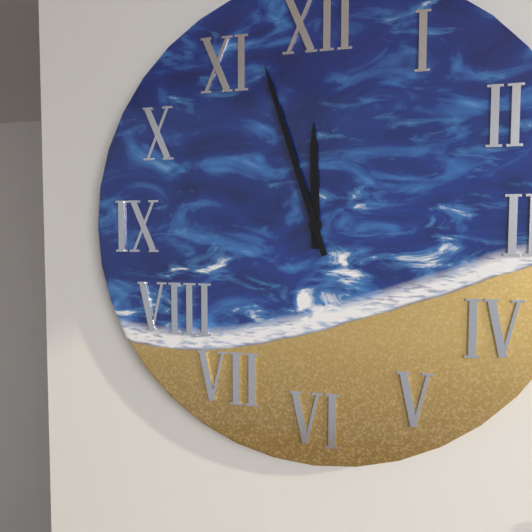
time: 11:57
